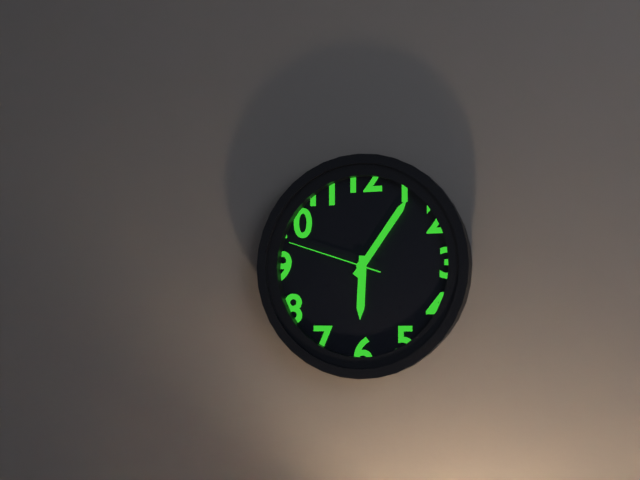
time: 6:06:48
